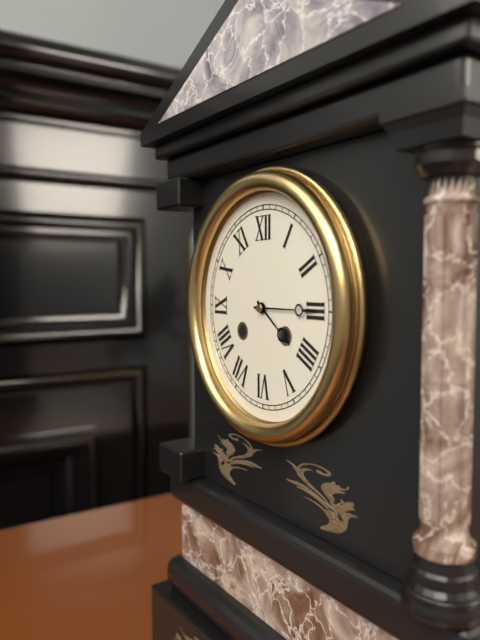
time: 4:15
